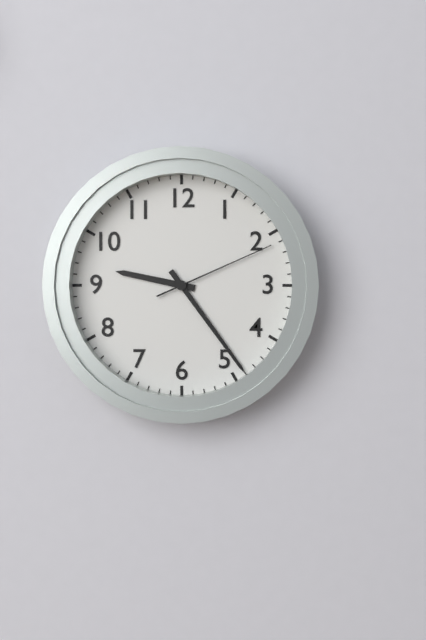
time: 9:24:11
